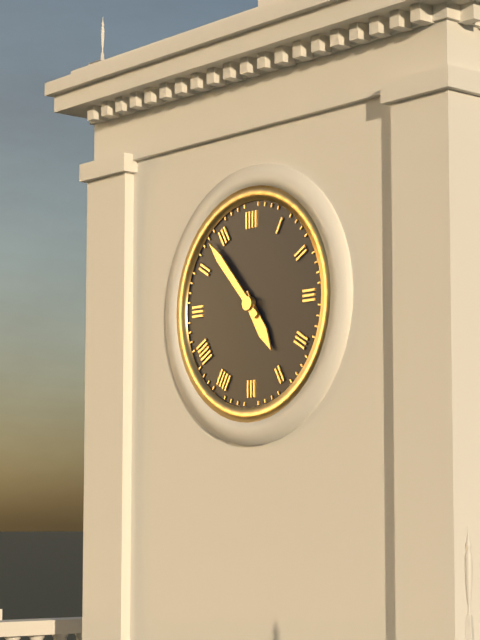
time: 4:53
